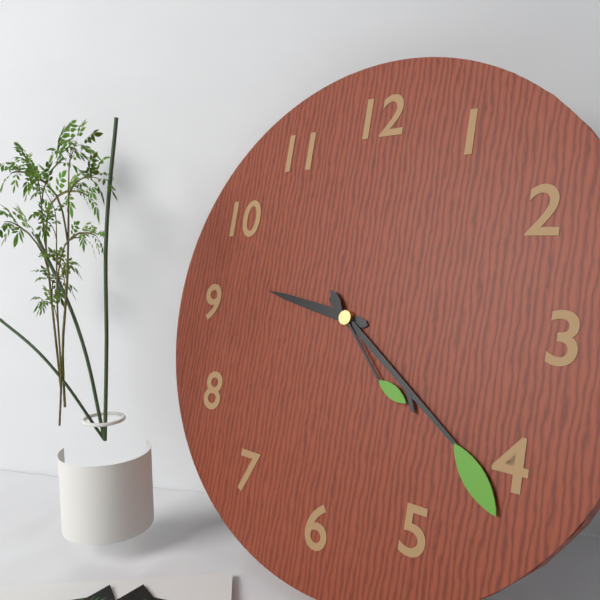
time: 9:21:23
